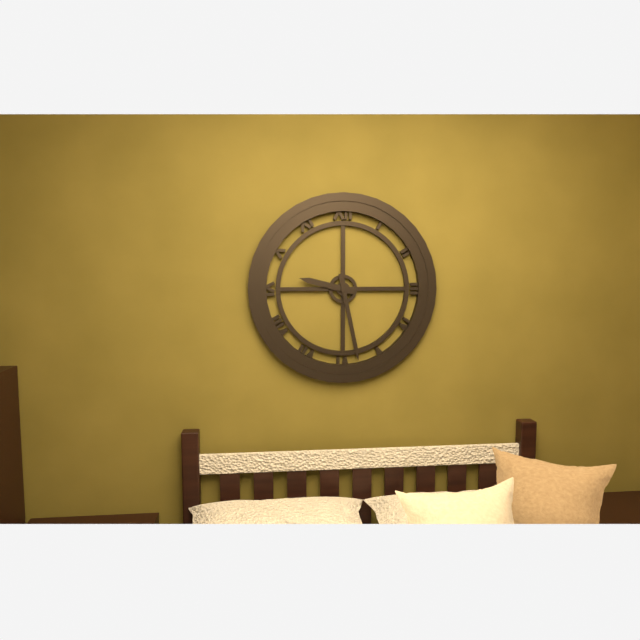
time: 9:28
